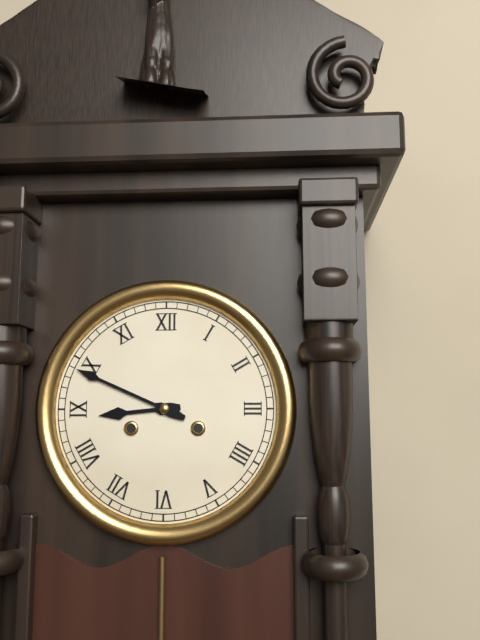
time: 8:49
